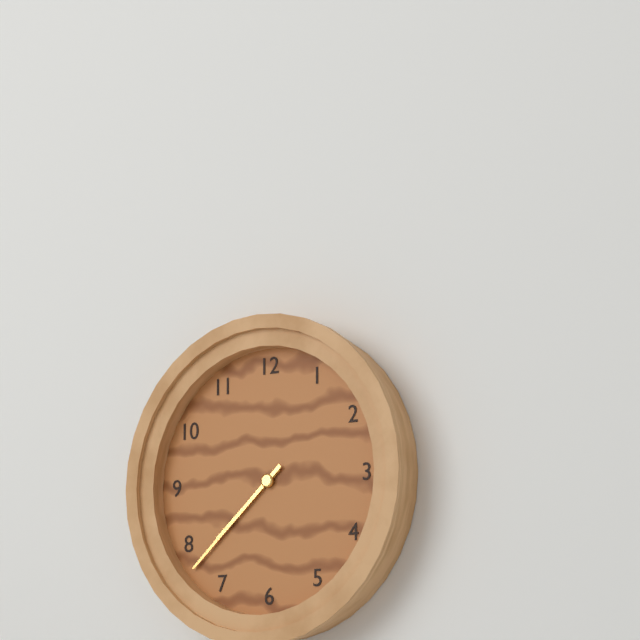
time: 7:38
